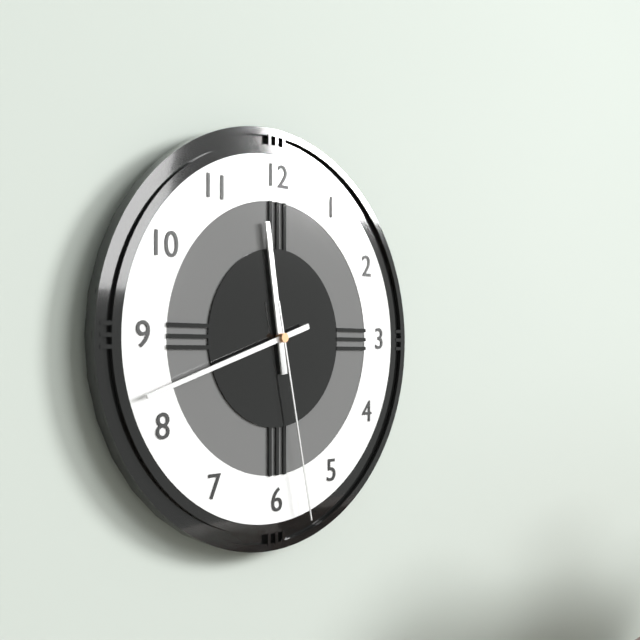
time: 11:42:28
